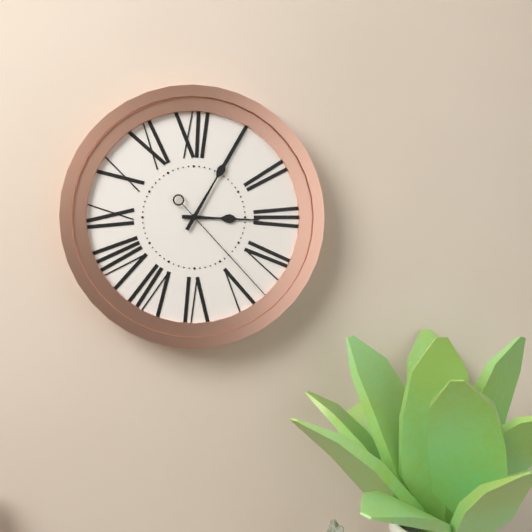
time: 3:05:23
